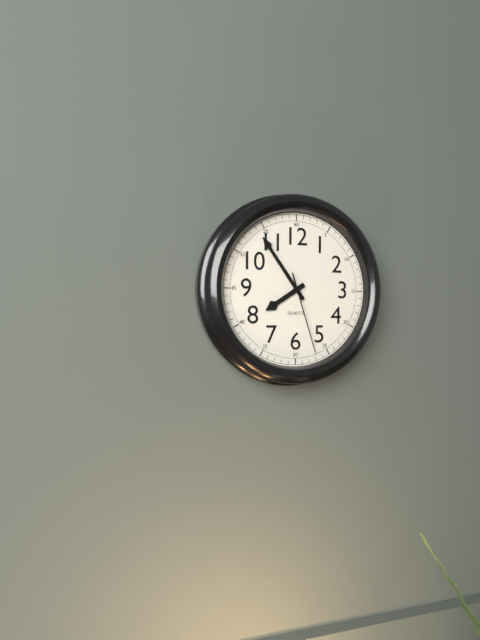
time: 7:54:27
